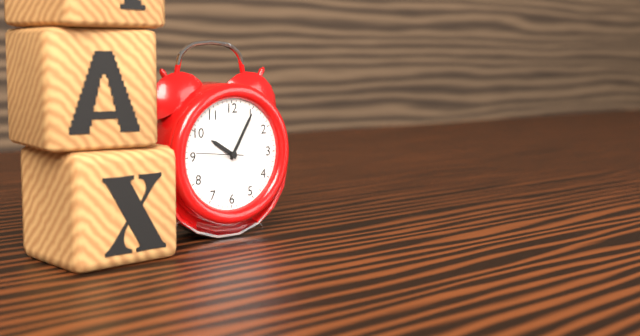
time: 10:05
